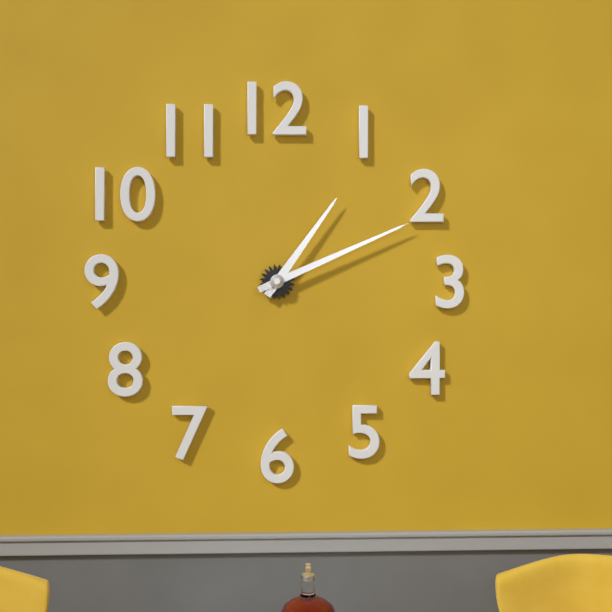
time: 1:11
